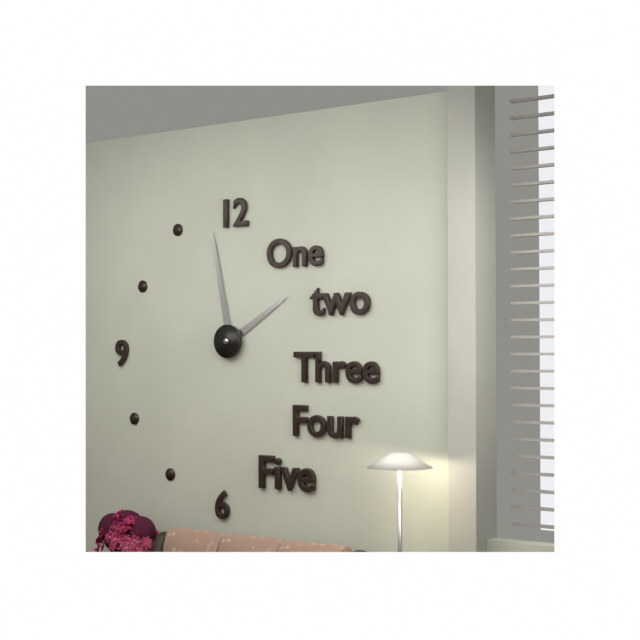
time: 1:58
